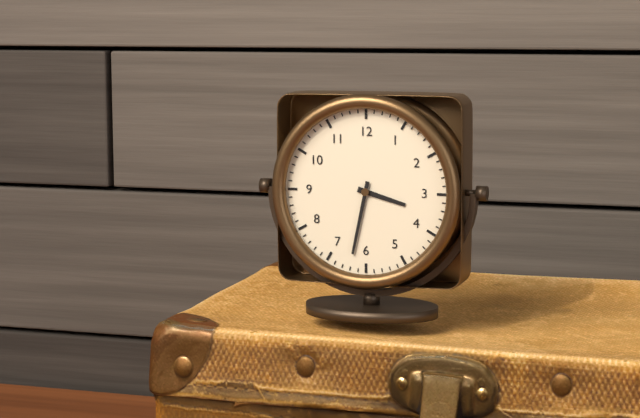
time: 3:32
